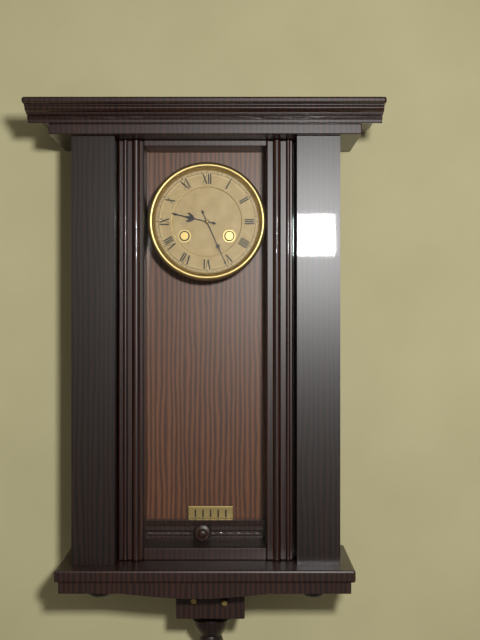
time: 9:26
